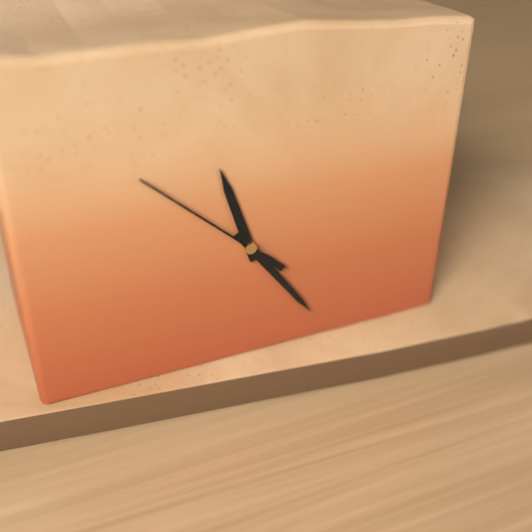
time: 11:24:52
